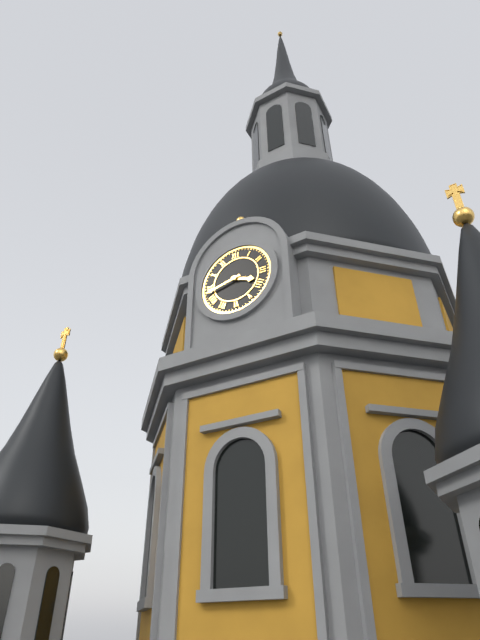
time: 3:43
